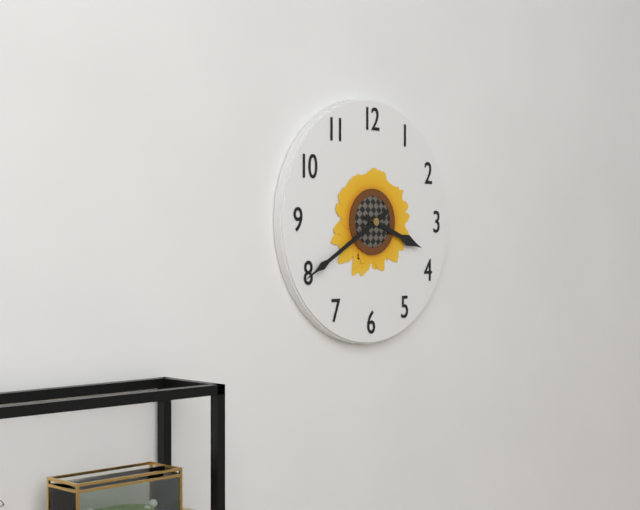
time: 3:40
